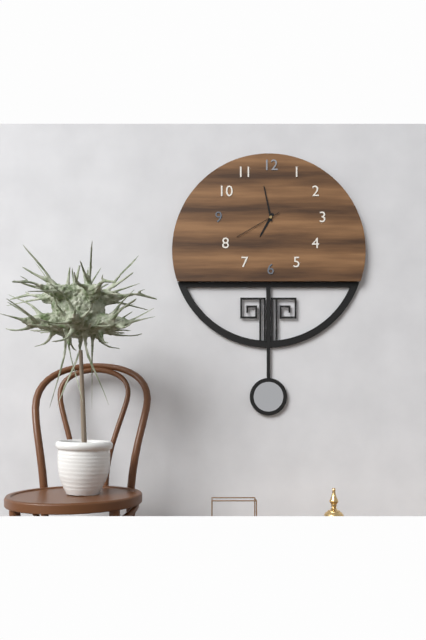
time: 6:58
